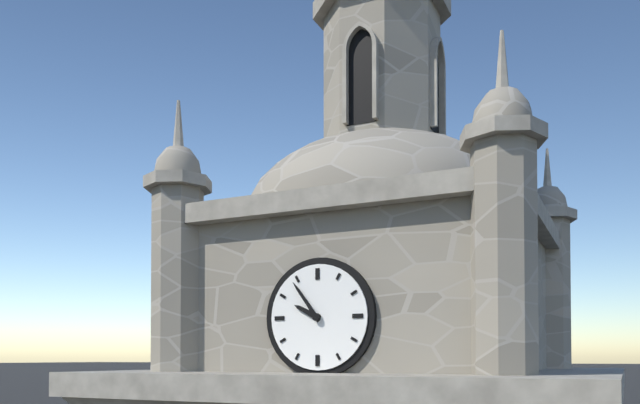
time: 9:54
